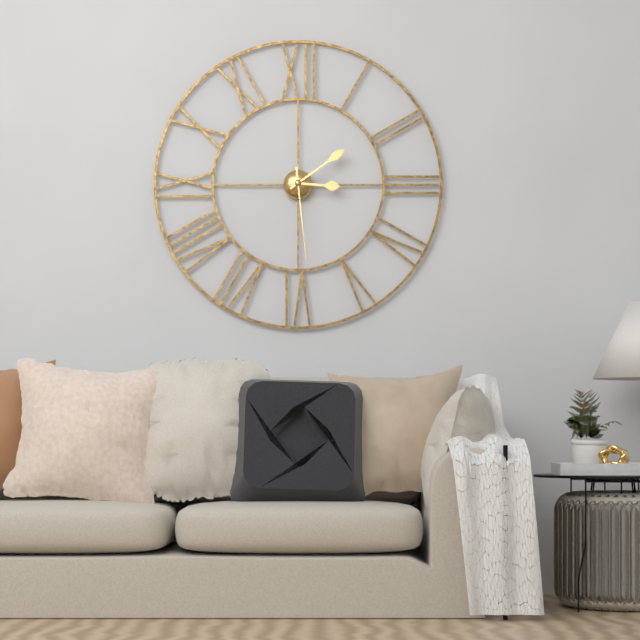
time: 3:09:29
